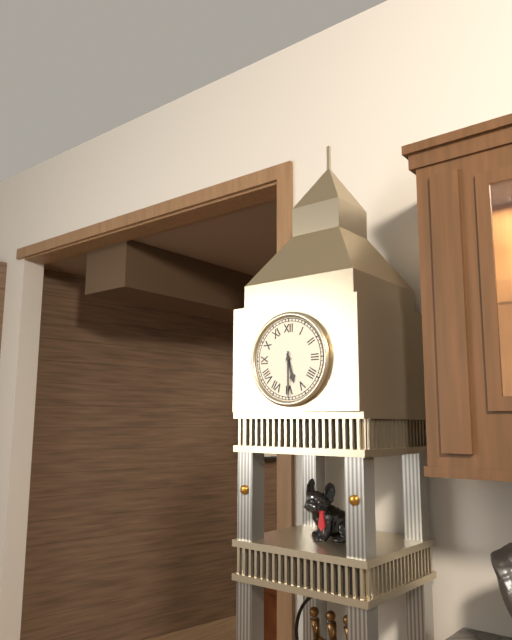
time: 5:30
